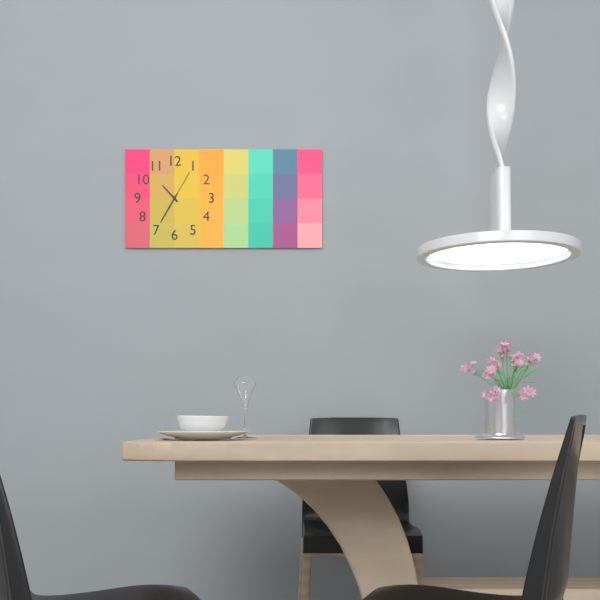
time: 10:35
